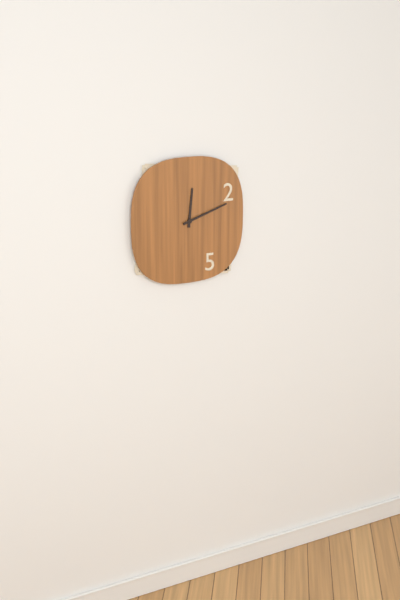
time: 12:12
